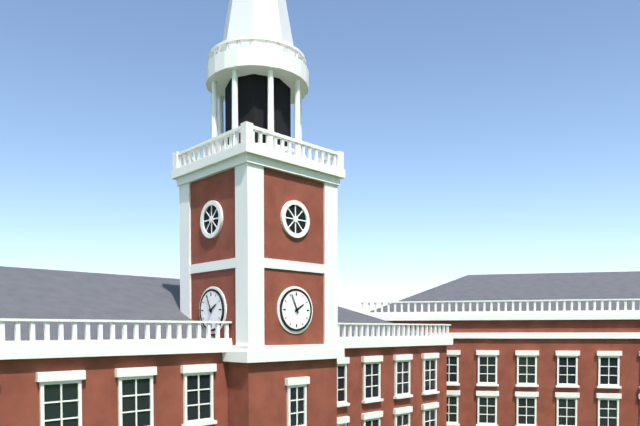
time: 1:56
